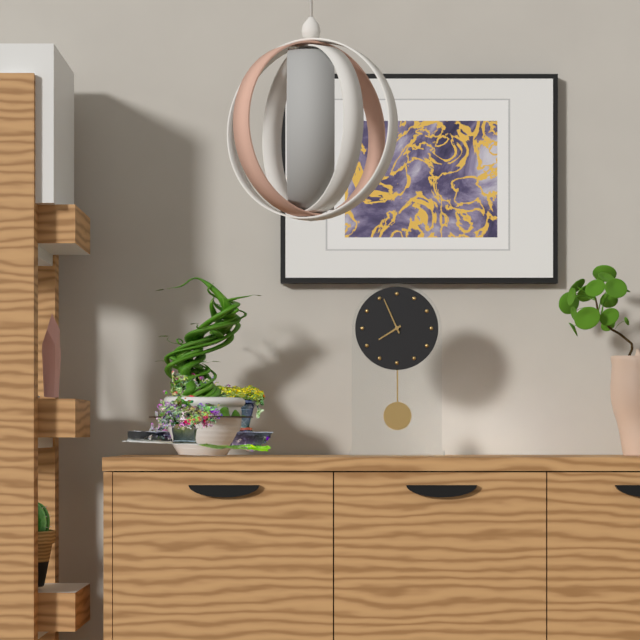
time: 7:56
